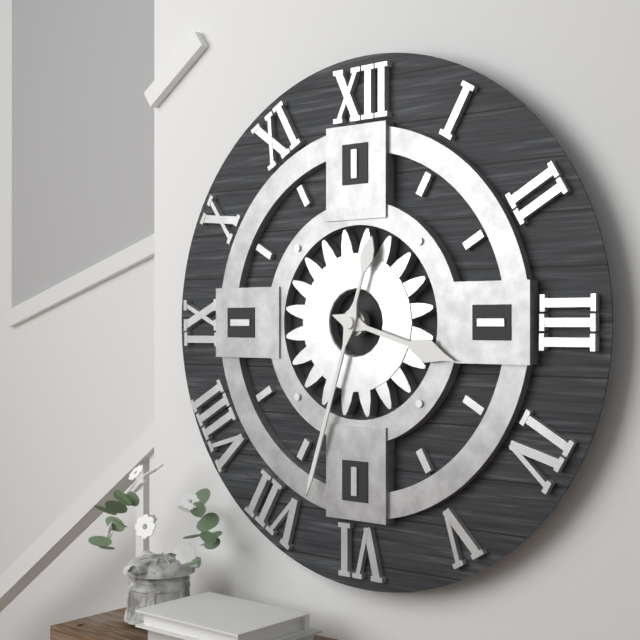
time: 3:33
